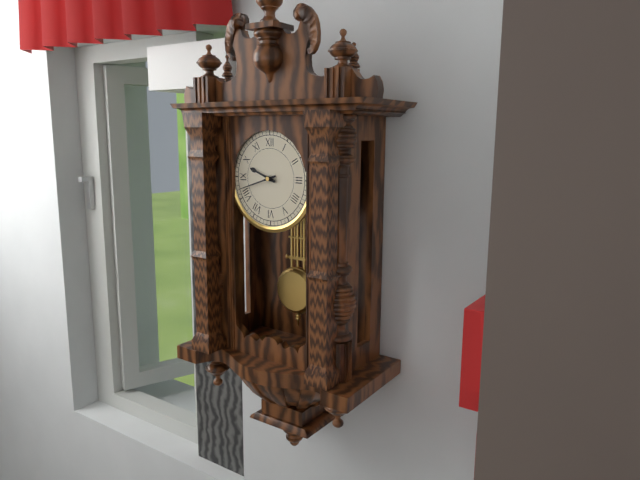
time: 9:42
